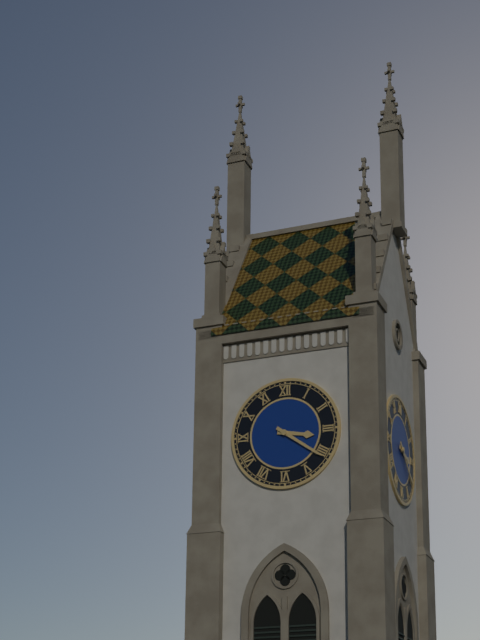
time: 3:21
